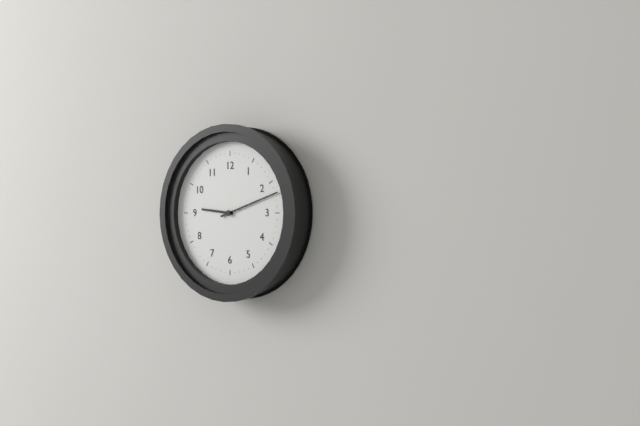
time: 9:12
